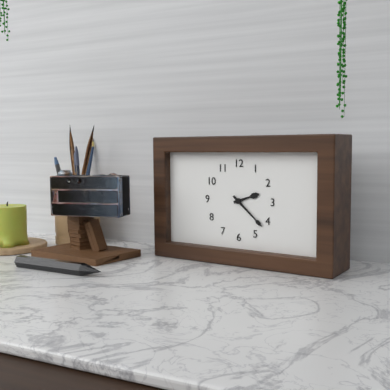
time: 2:22
